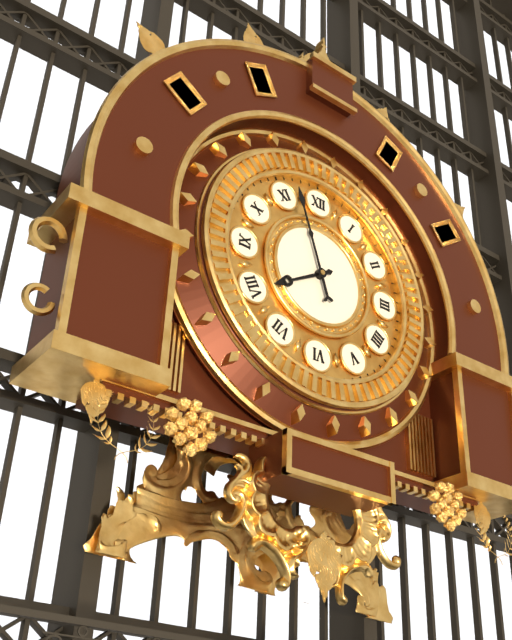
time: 7:57
